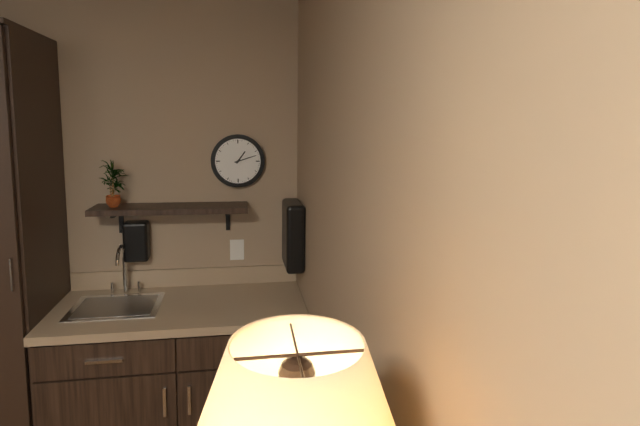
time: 1:12
